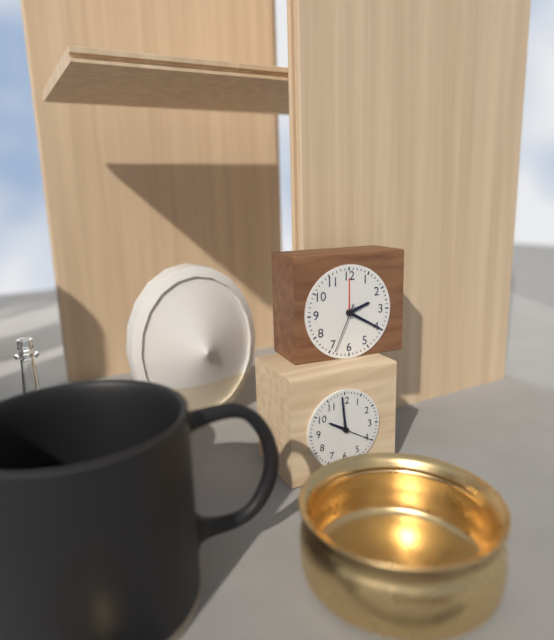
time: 2:20:34
